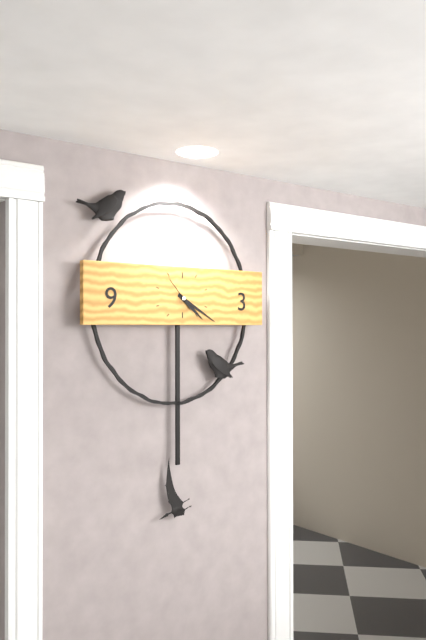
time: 4:20
